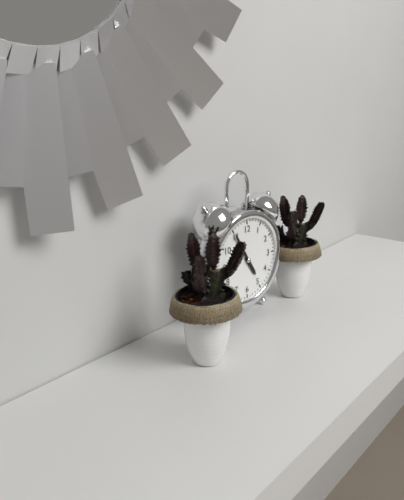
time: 4:55
